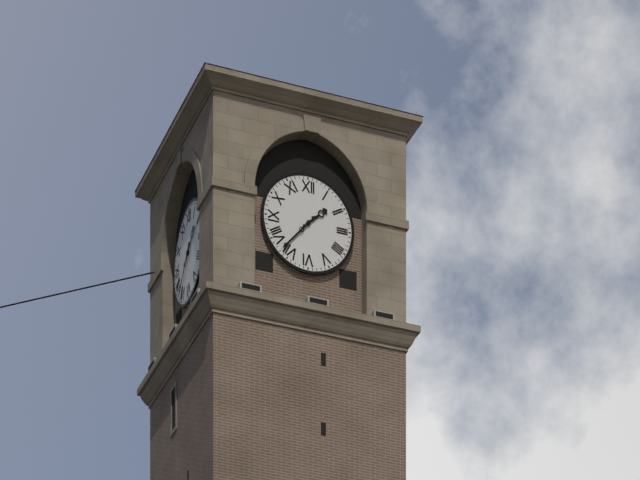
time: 1:37
